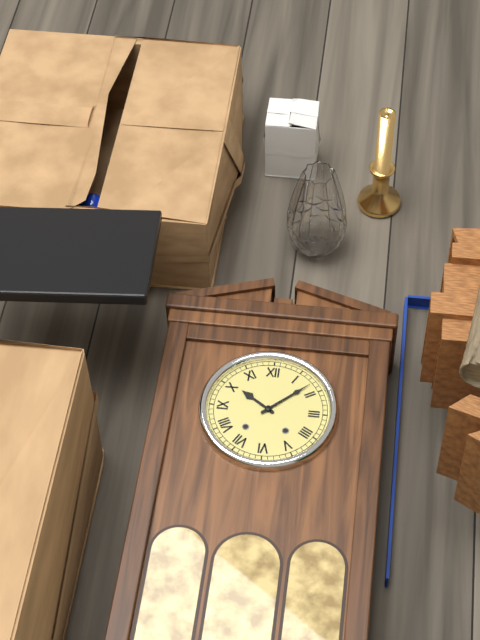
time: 10:08
